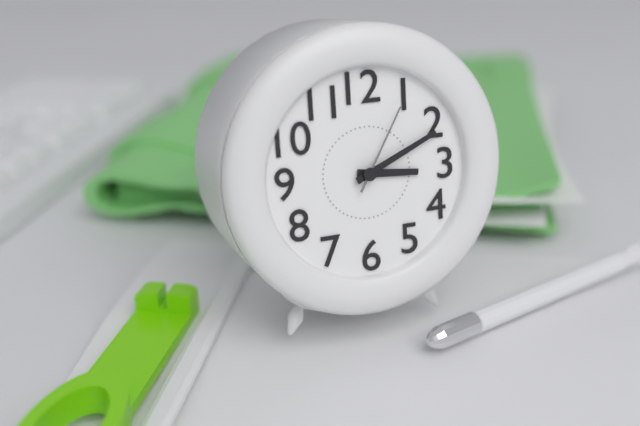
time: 3:11:05
